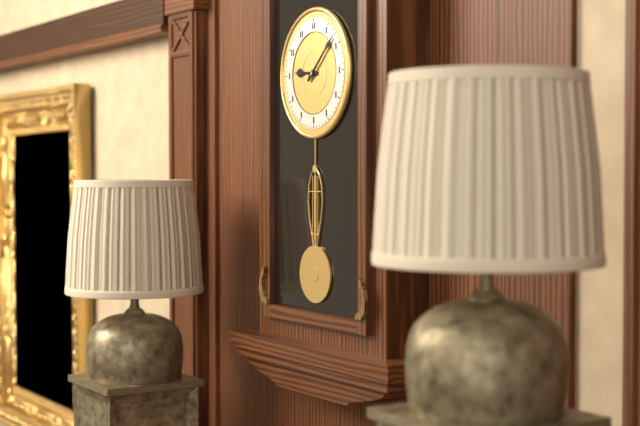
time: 9:08
